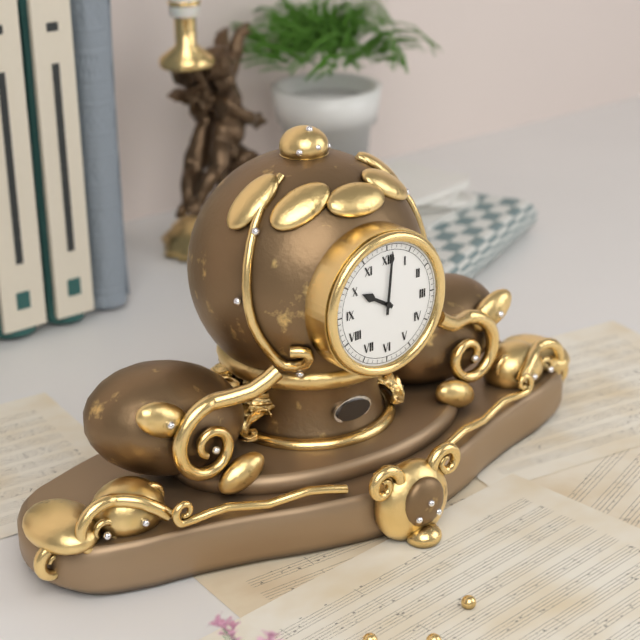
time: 10:01
